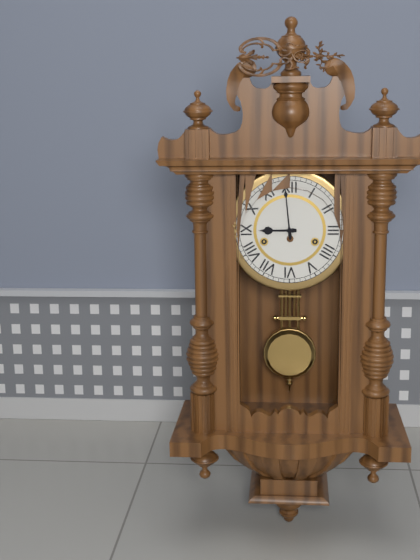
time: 8:59
